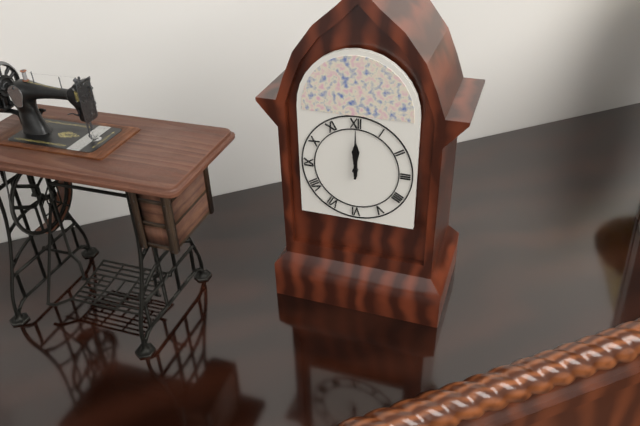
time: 12:00
